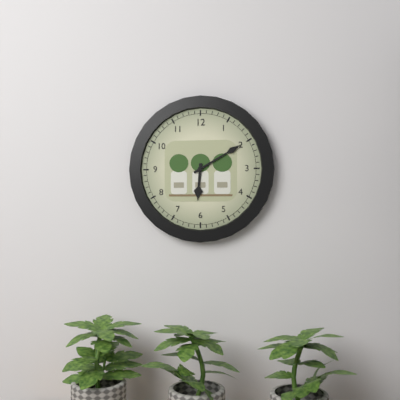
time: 6:10
